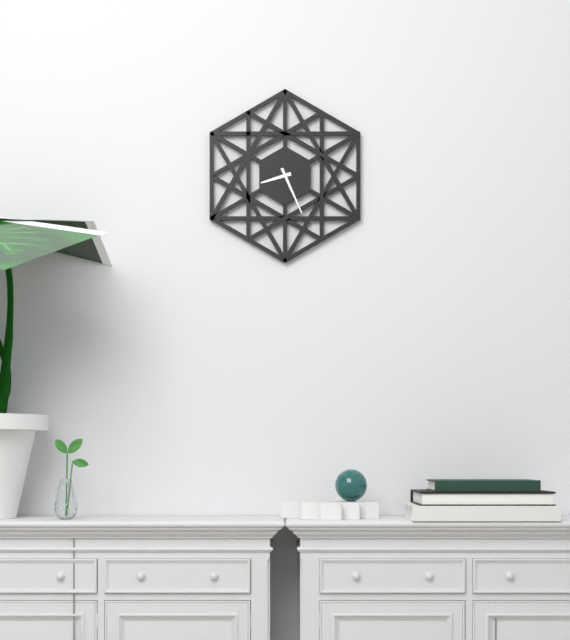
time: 8:26
